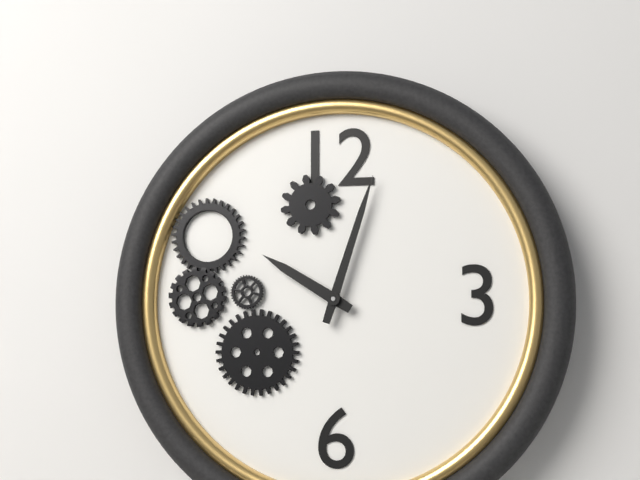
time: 10:03
